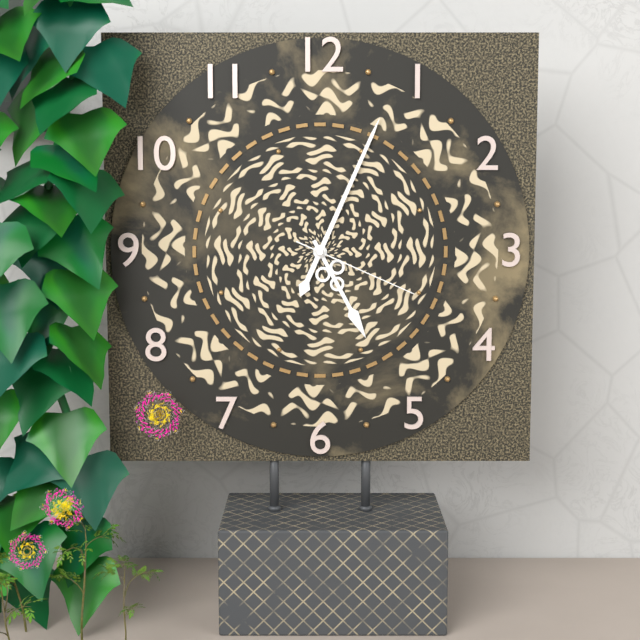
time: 5:04:19
